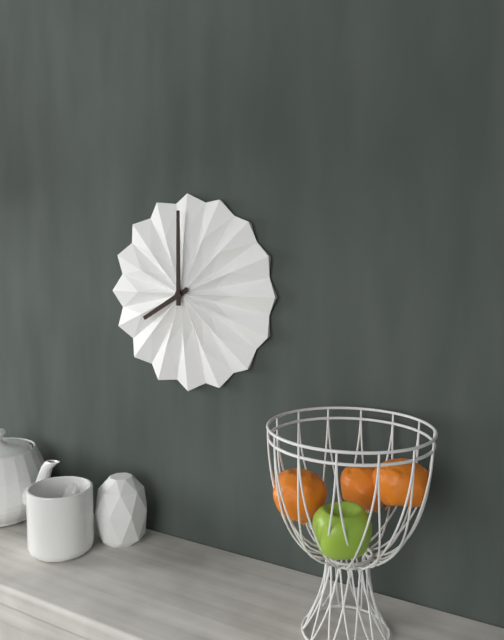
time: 8:00
